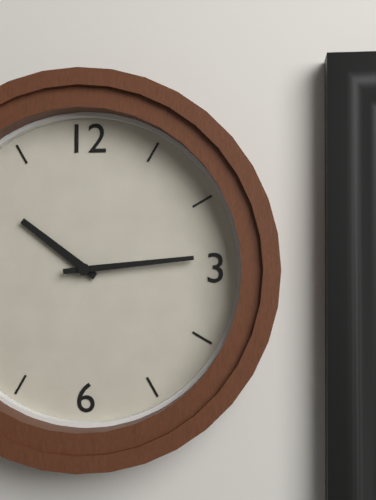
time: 10:14
